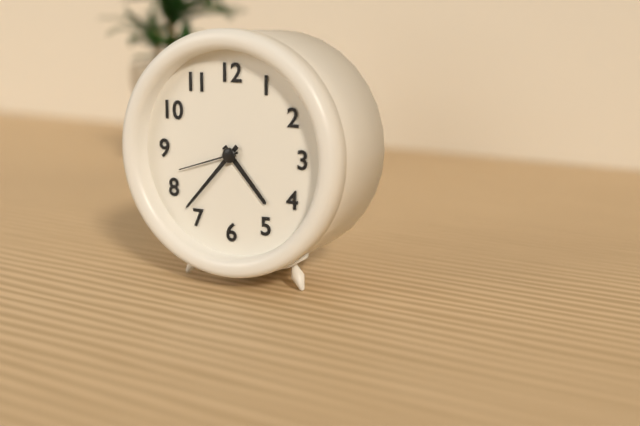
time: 4:37:42
